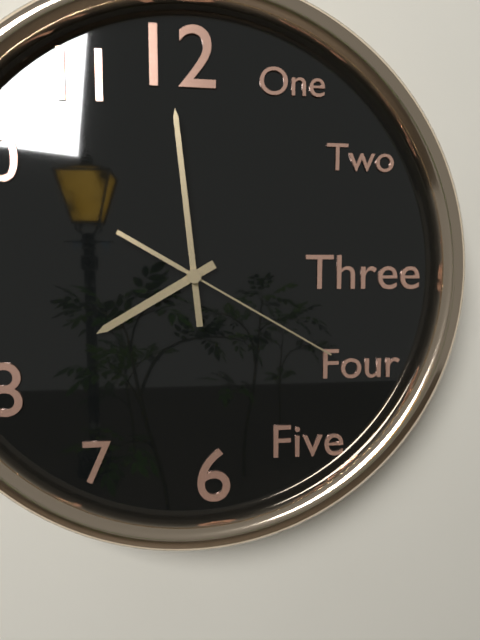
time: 7:59:20
